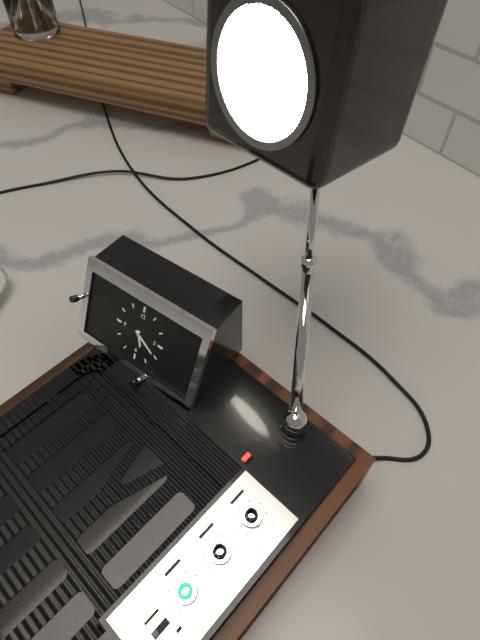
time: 5:20
